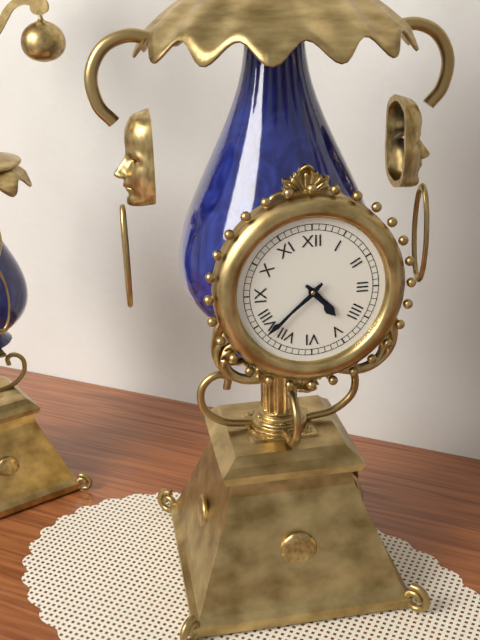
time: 4:38
